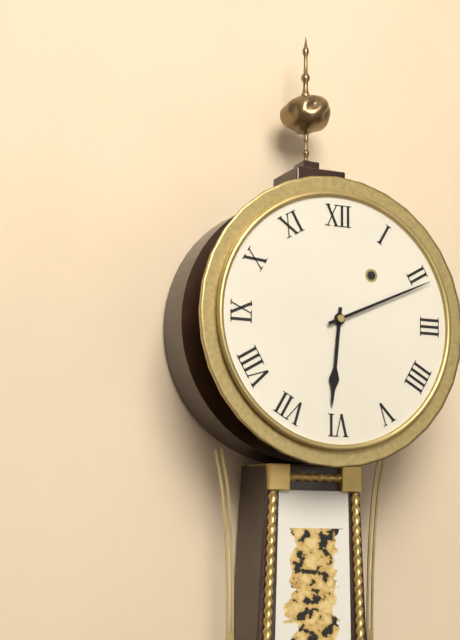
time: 6:11
